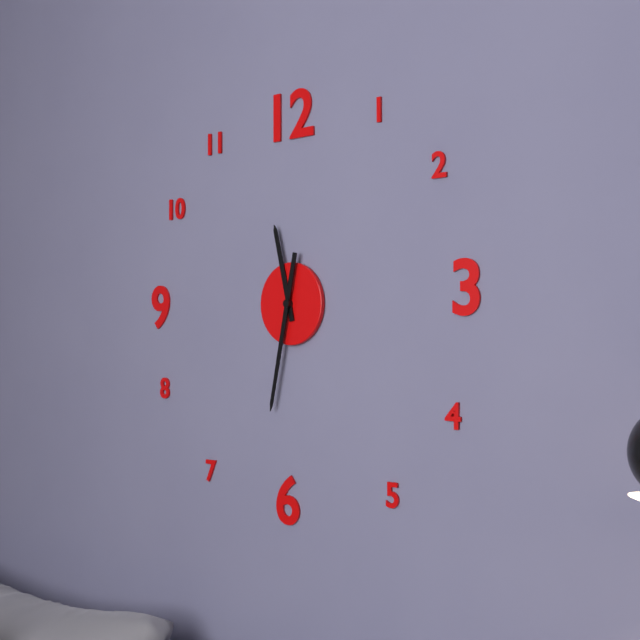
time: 11:32
